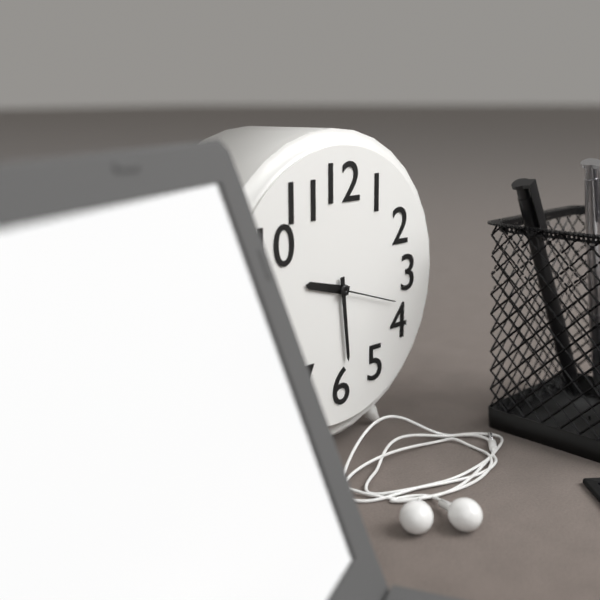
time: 9:29:18
